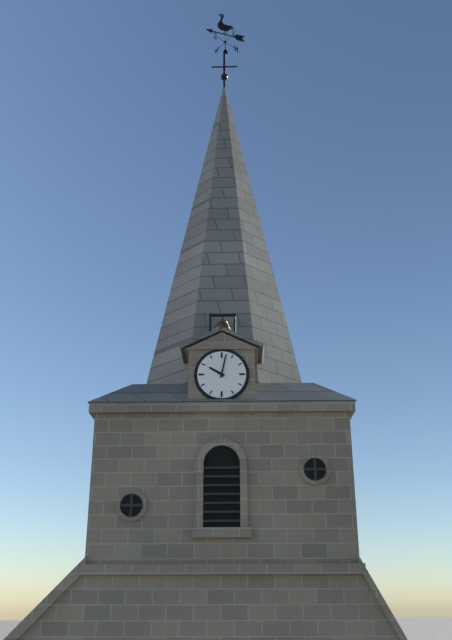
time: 10:02
